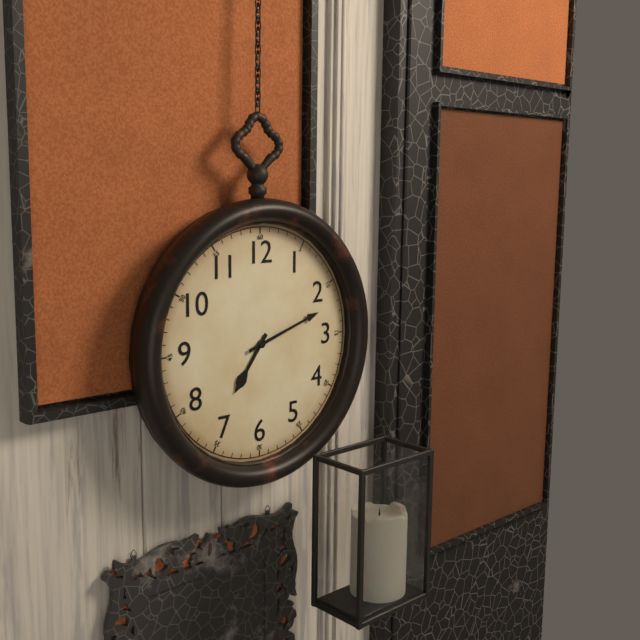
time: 7:12
